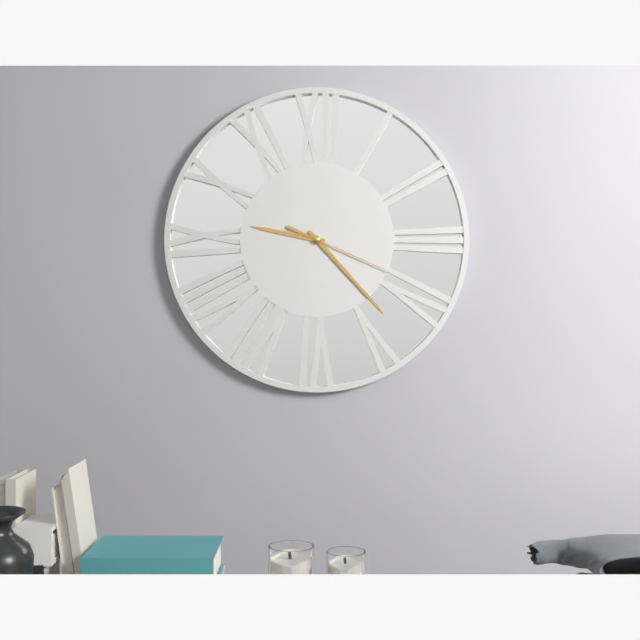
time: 9:23:19
